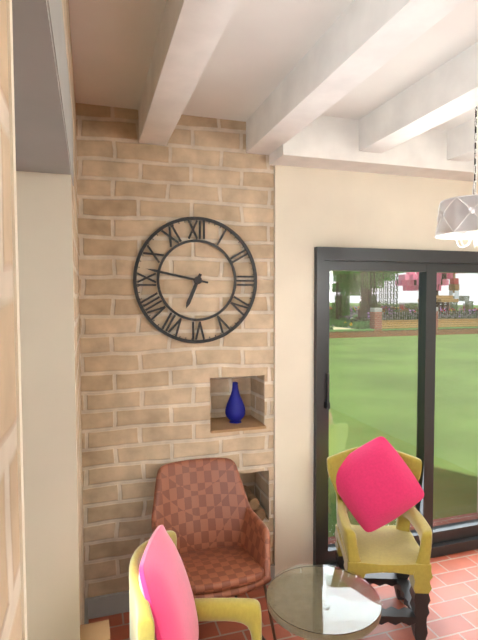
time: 6:47
